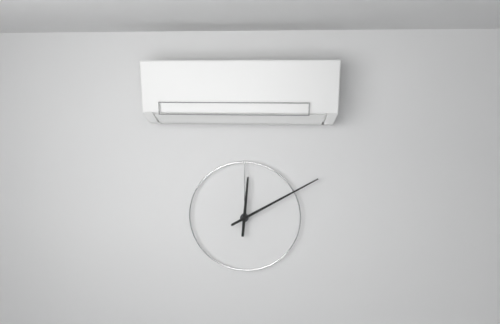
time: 12:10
